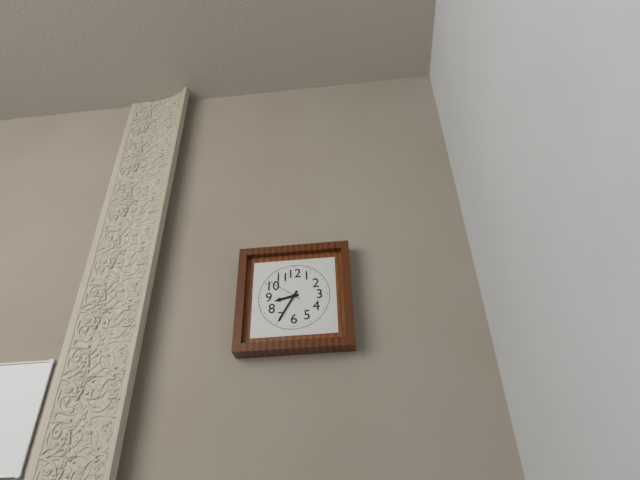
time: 8:35
